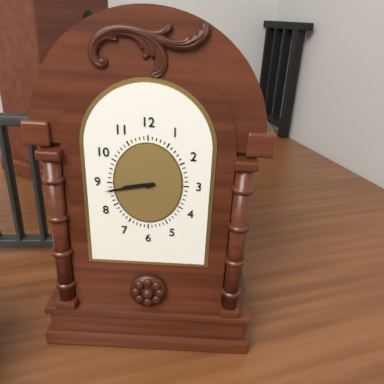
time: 8:43
